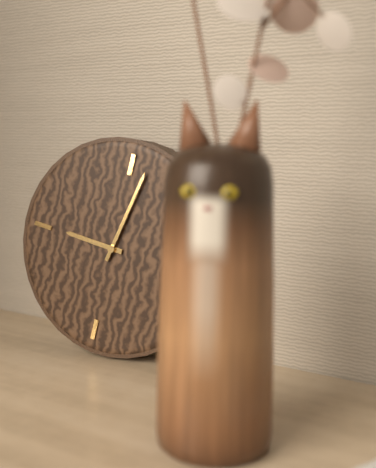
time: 9:02
